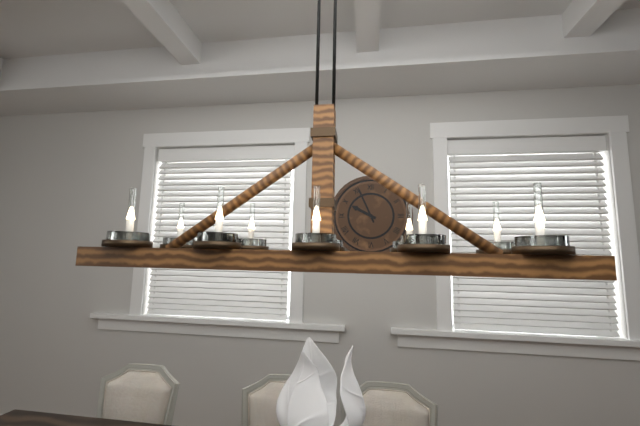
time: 9:56
